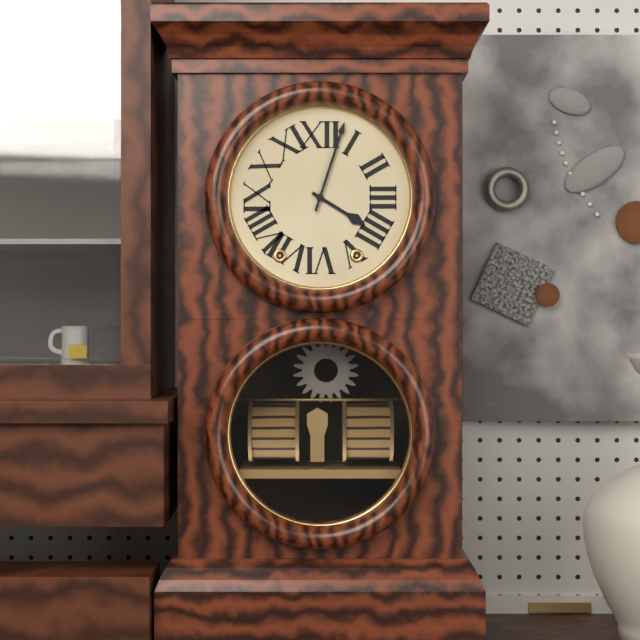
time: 4:03
